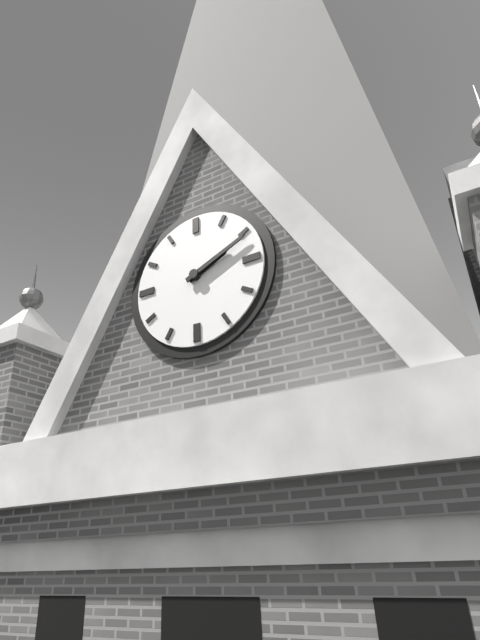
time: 2:11
